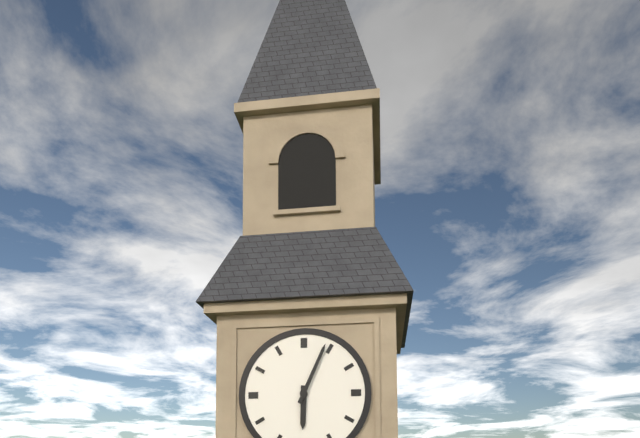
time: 6:04
